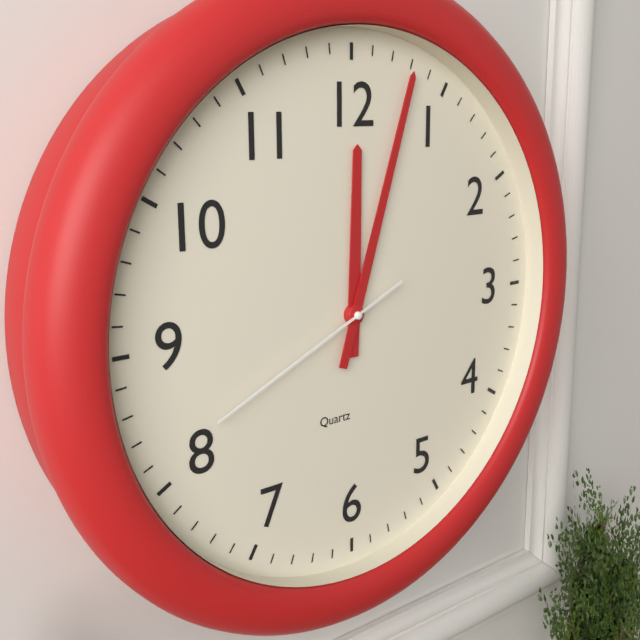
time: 12:03:41
